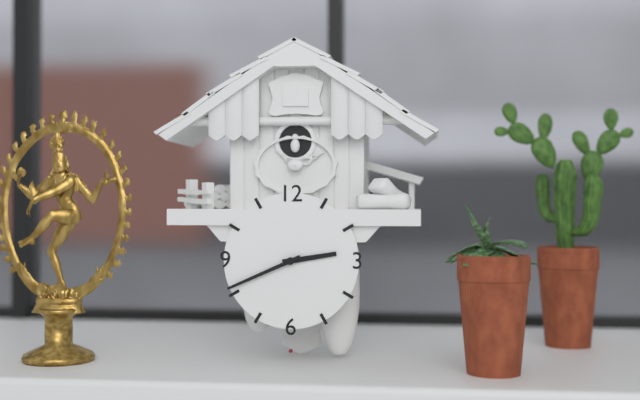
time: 2:41
